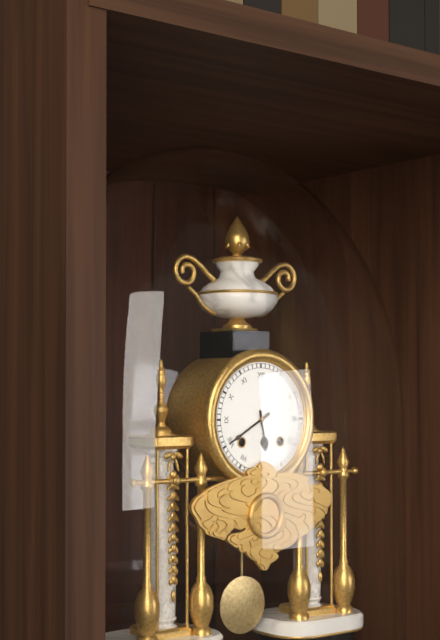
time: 5:40
